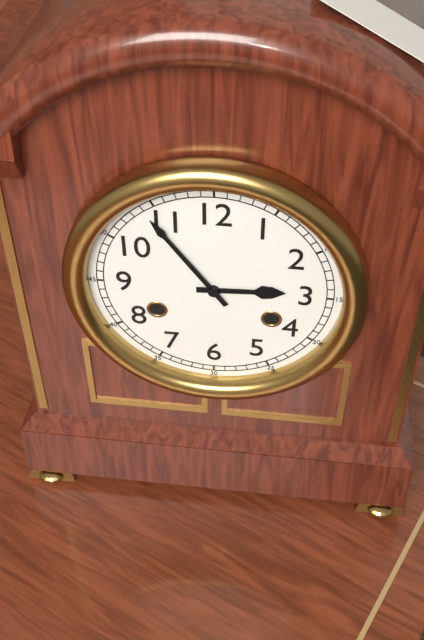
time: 2:54
